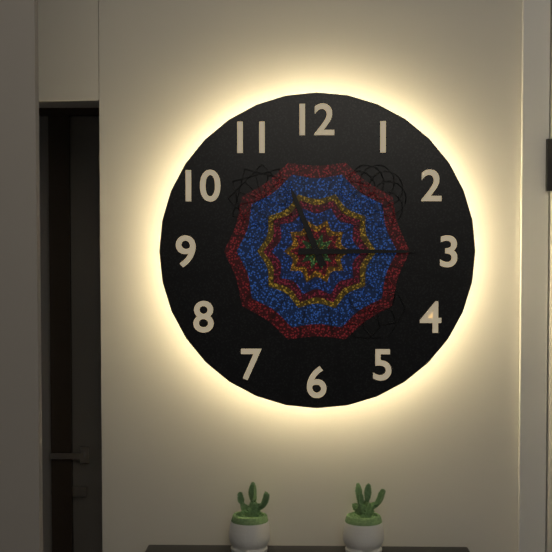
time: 11:15
